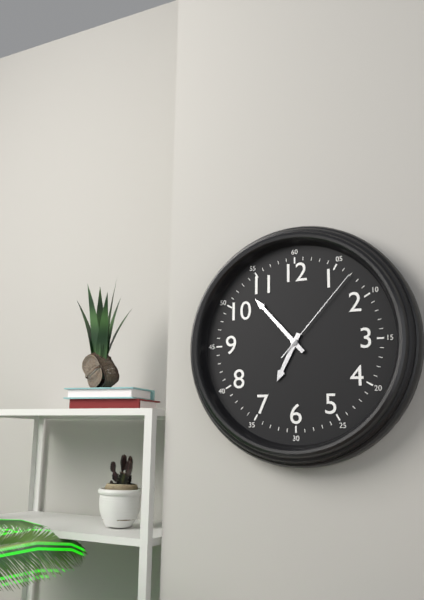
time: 6:53:07
